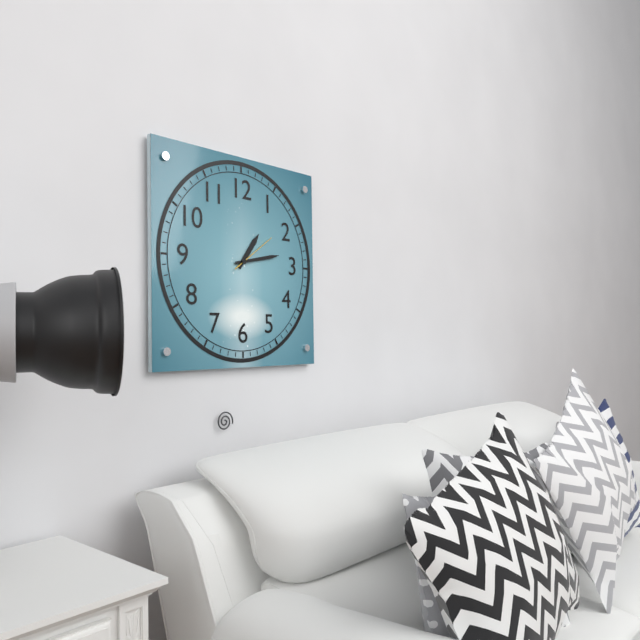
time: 1:13
